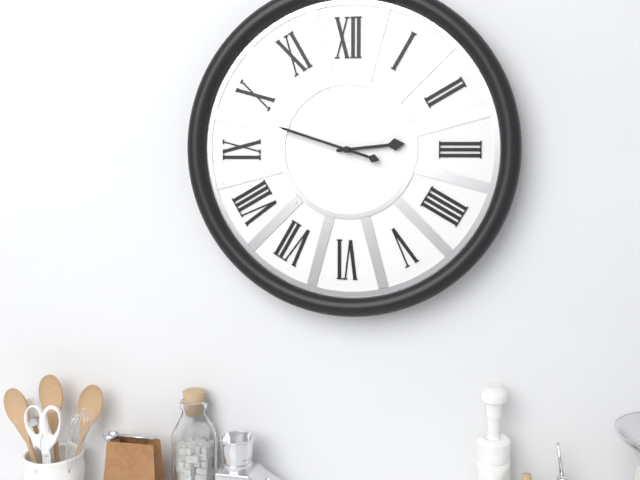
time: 2:48
